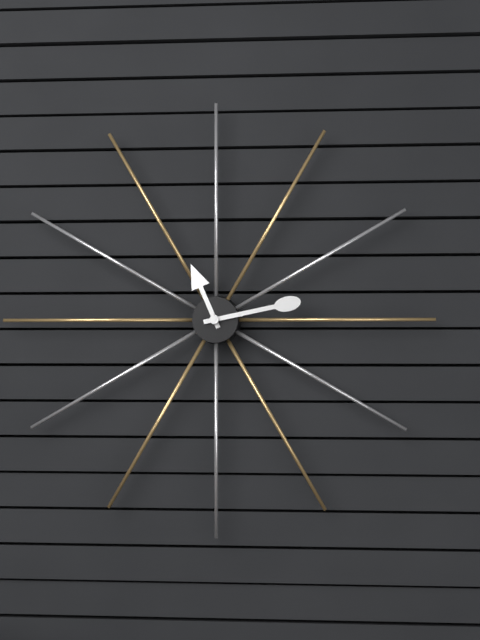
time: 11:13
